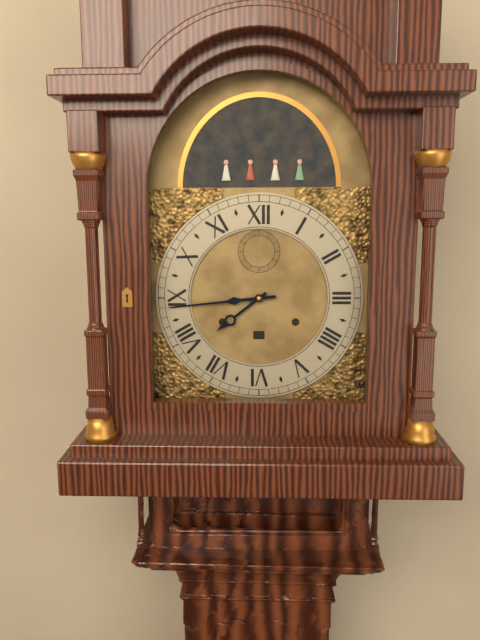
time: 7:44
